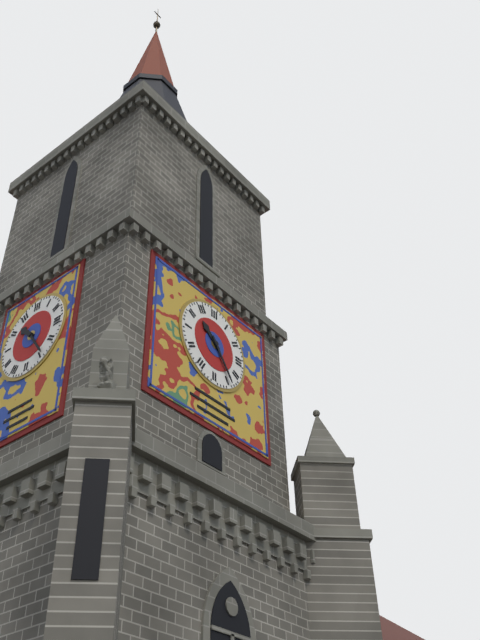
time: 10:24
